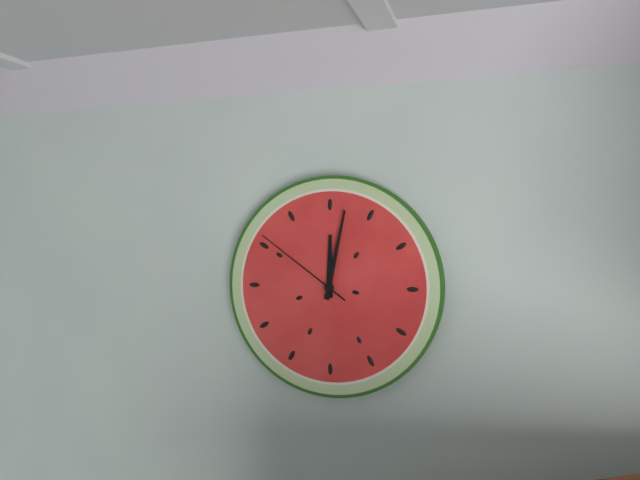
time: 12:02:51
